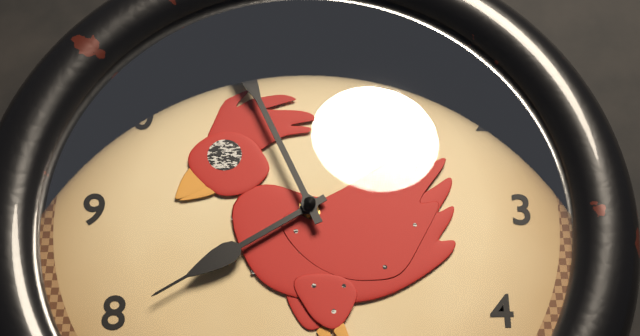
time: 7:56
